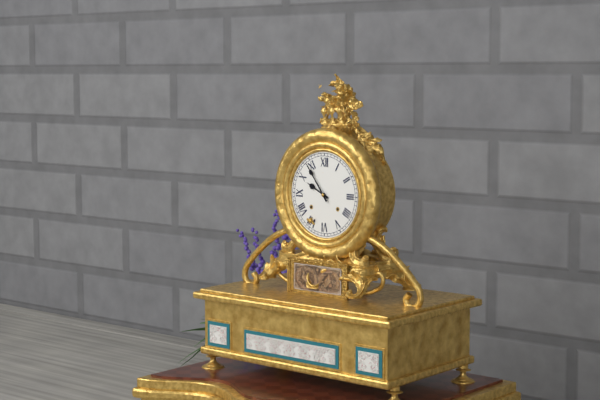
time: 9:54
